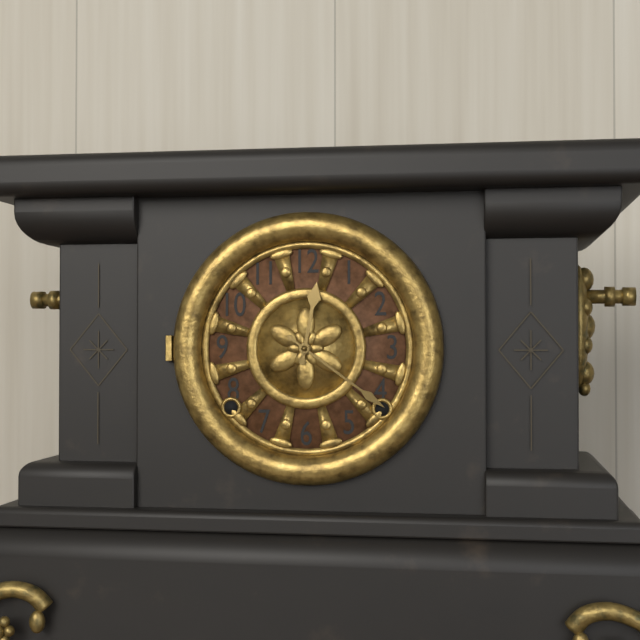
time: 12:21
